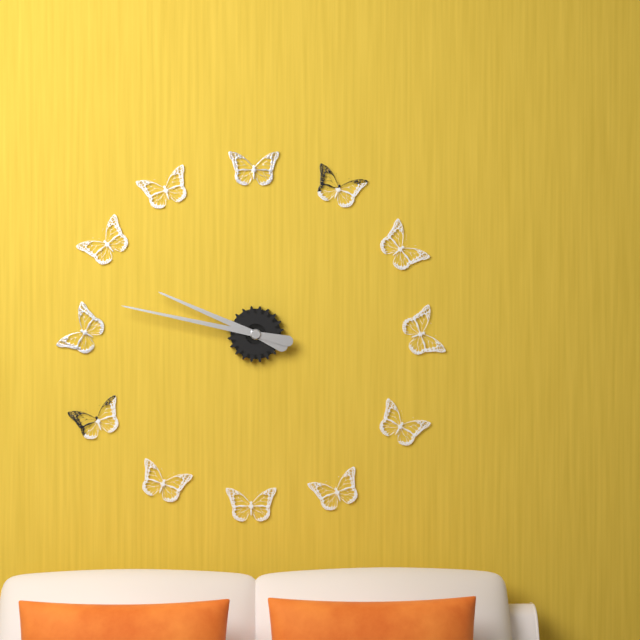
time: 9:47
